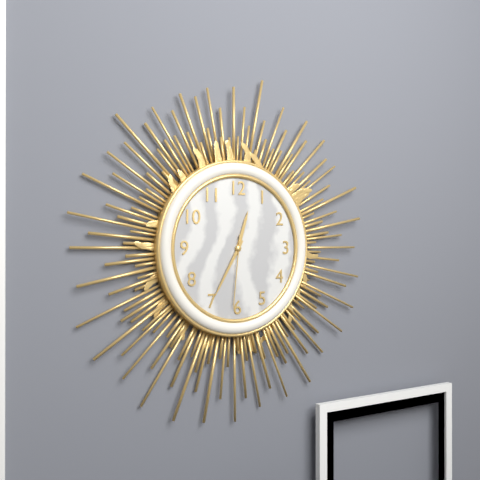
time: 12:35:31
